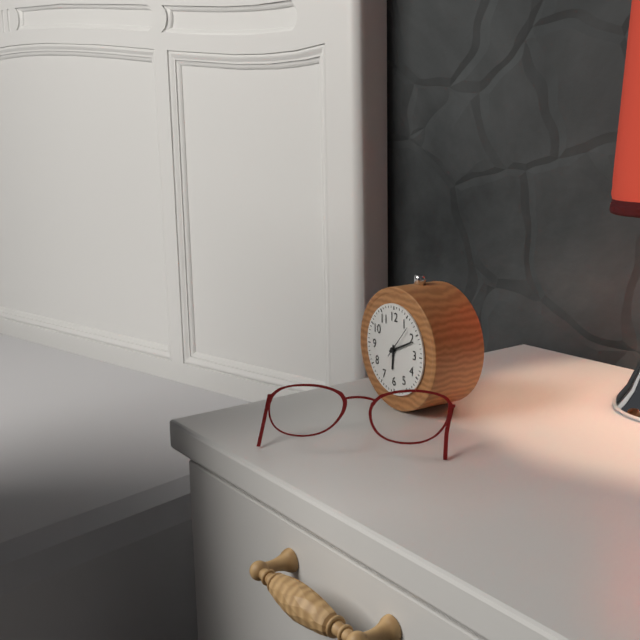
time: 6:11
